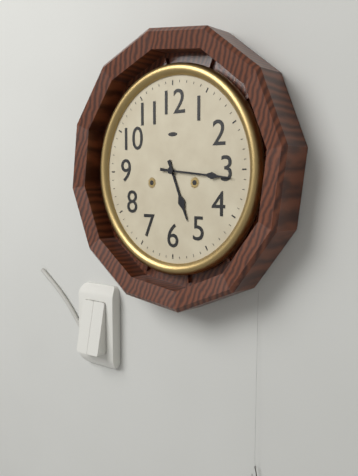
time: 5:16
